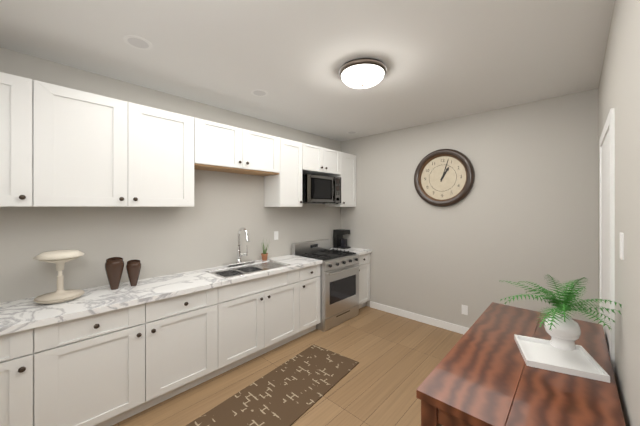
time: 1:03
